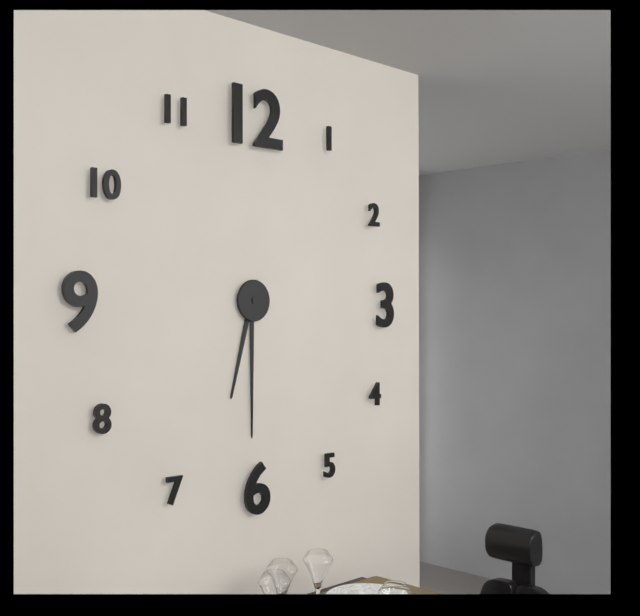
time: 6:30
